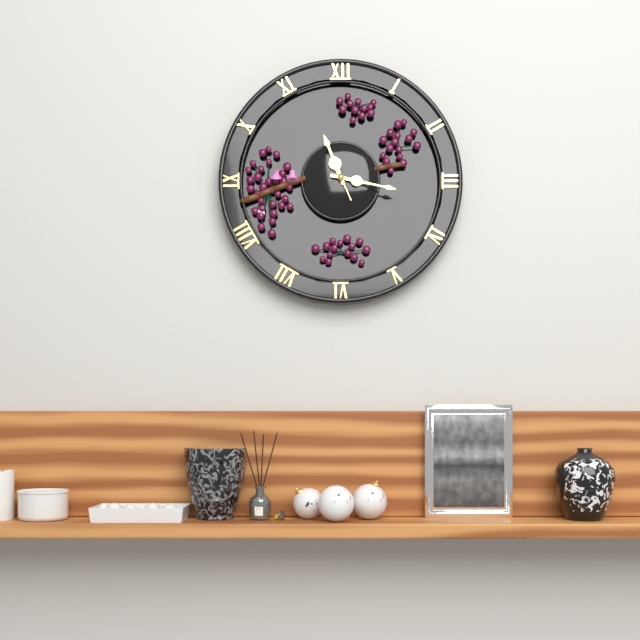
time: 11:17
